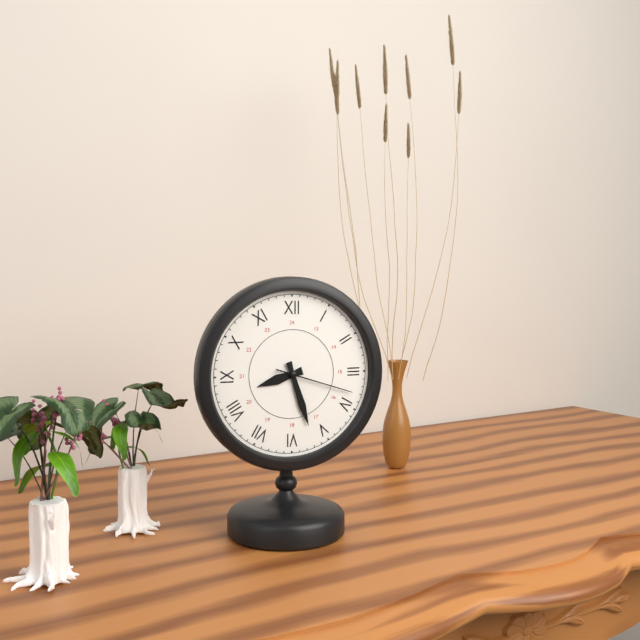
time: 8:27:18
